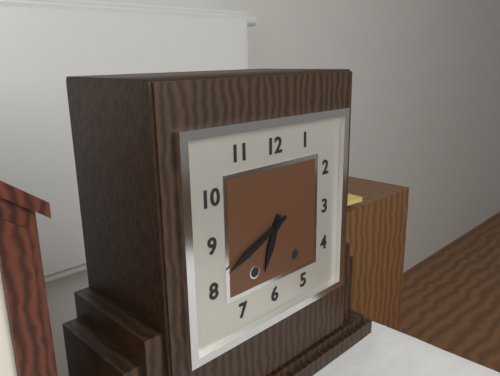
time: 6:41
